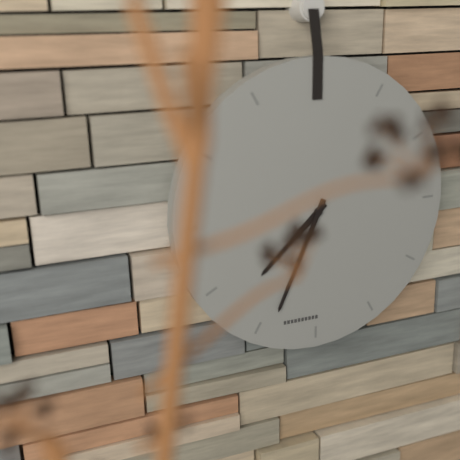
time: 7:34
